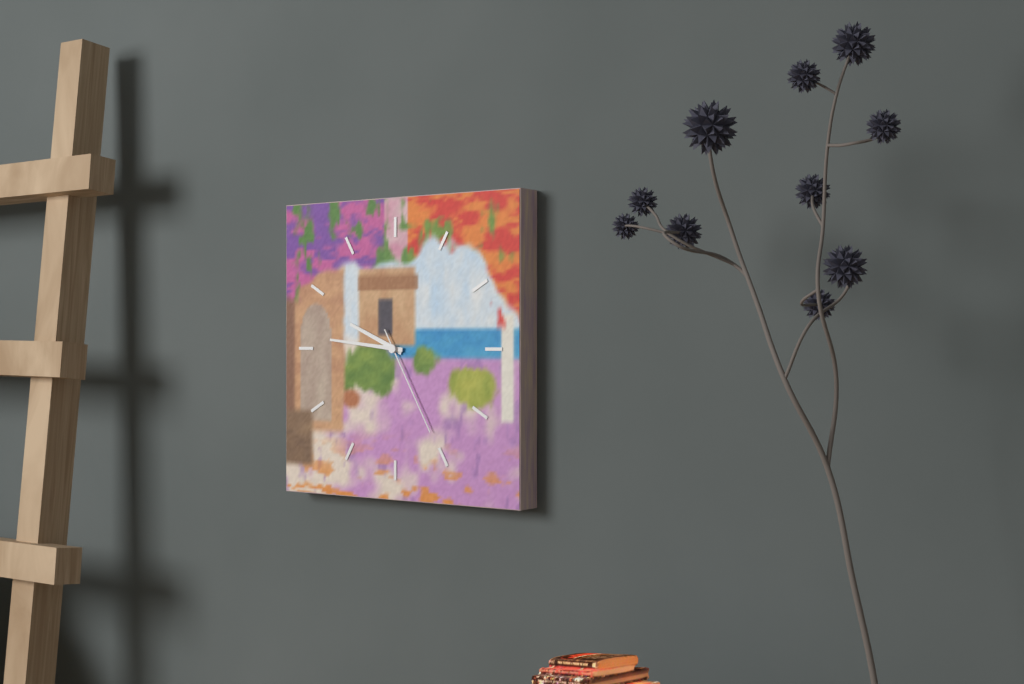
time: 9:46:25
